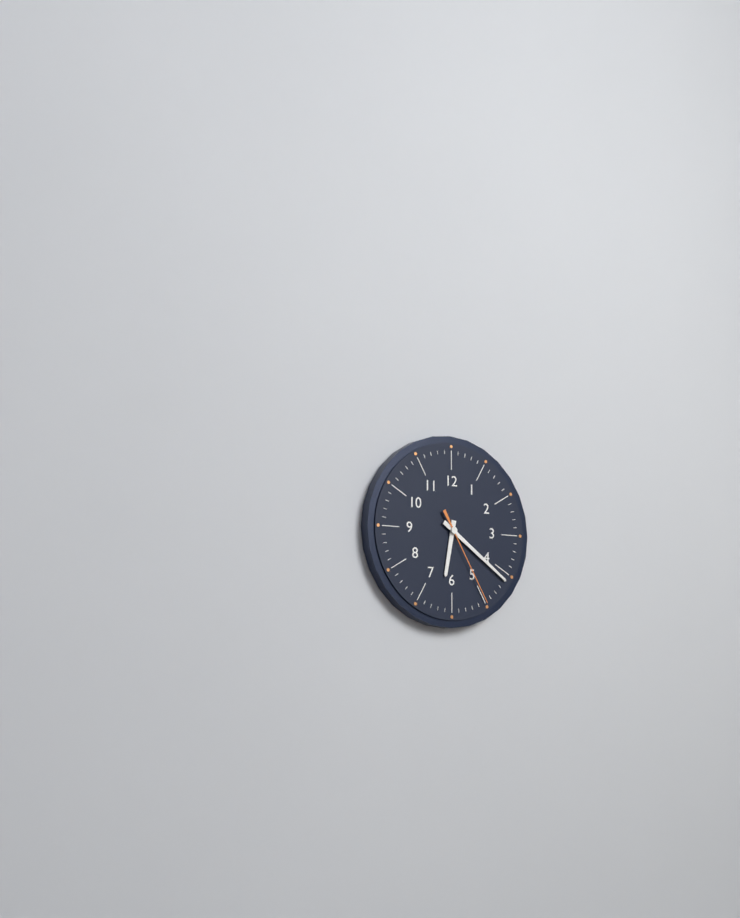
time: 6:21:25
